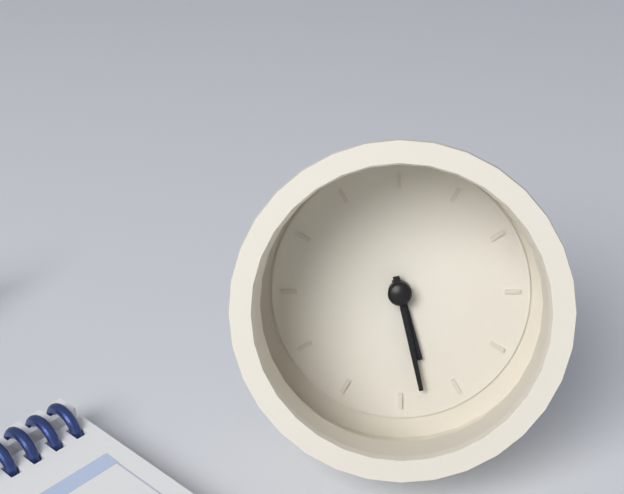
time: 5:28
